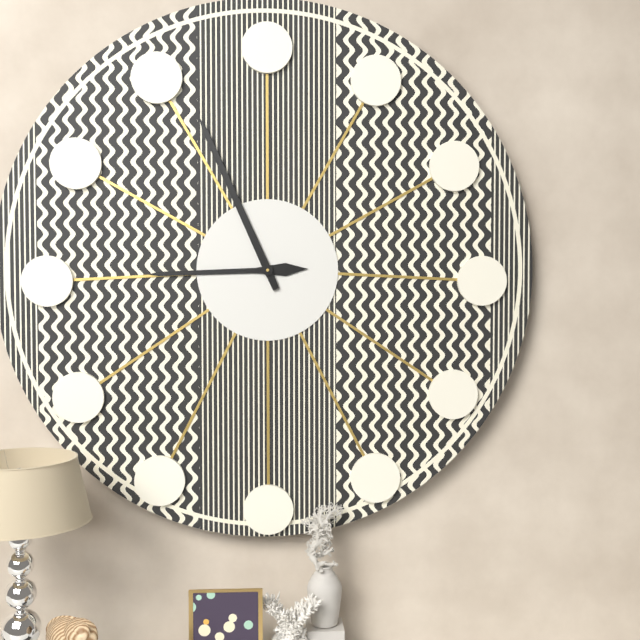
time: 8:56
